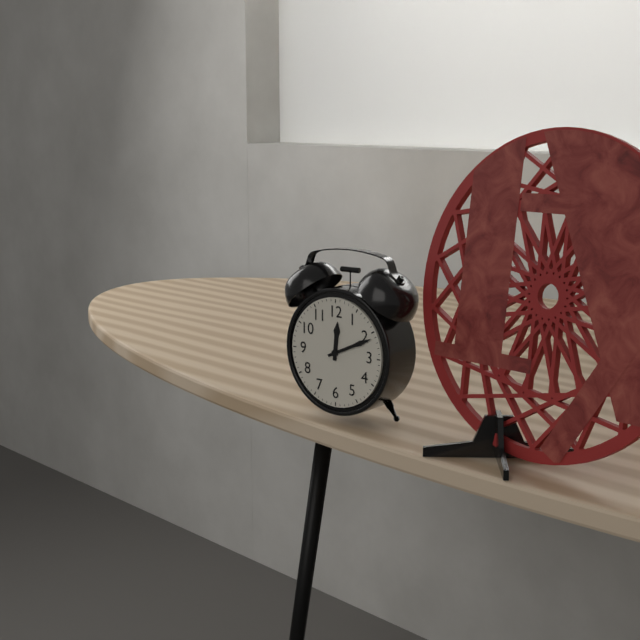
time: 12:11
